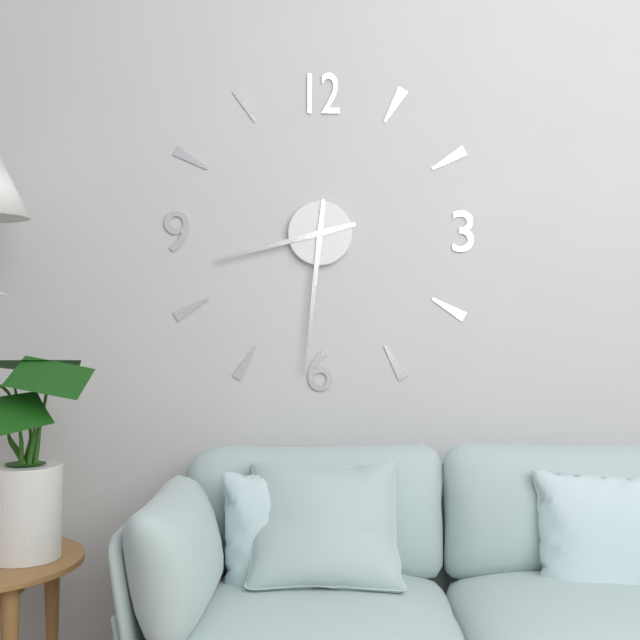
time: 8:31
